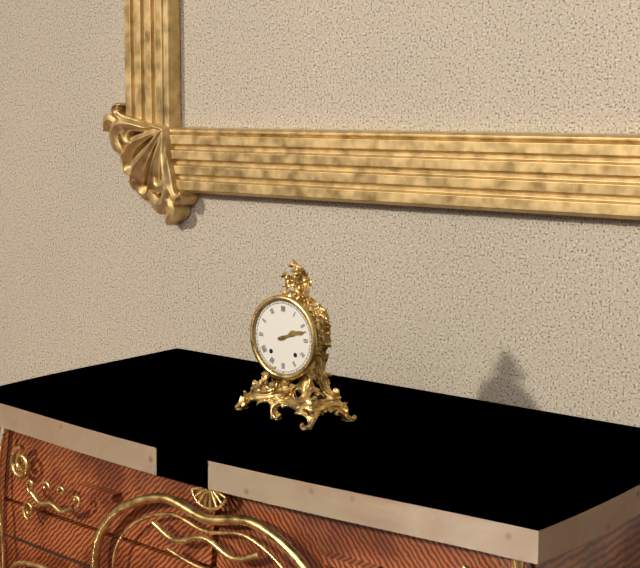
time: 2:12
